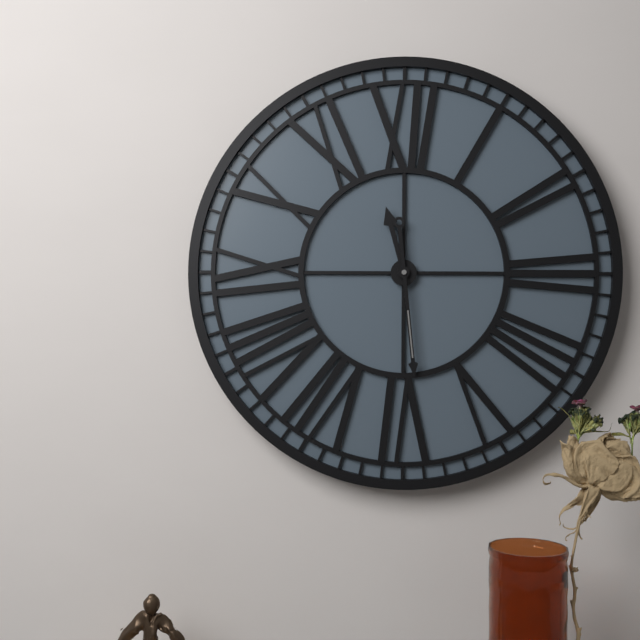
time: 11:29
